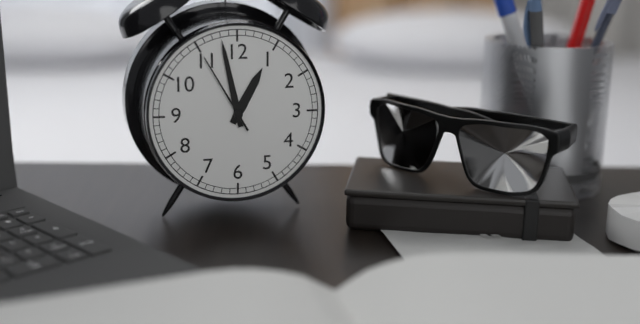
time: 12:58:55
